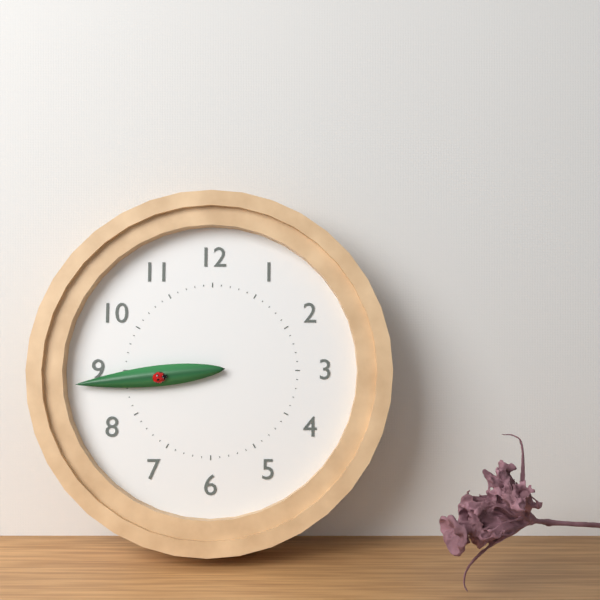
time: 8:44
